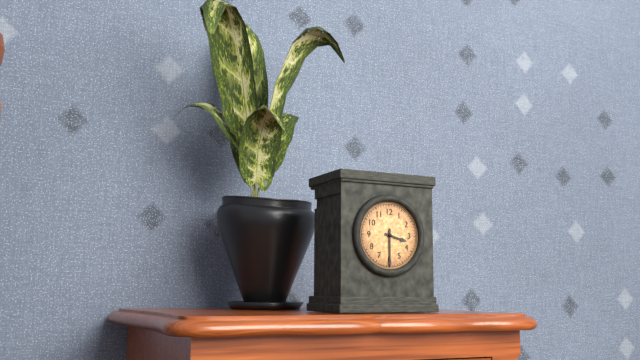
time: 3:30
